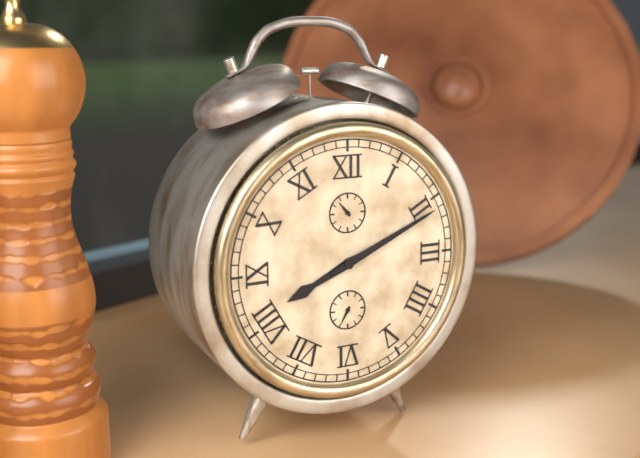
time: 8:11
